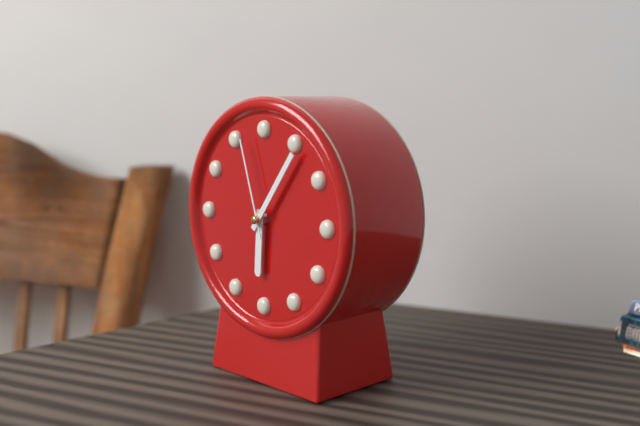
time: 6:06:57
